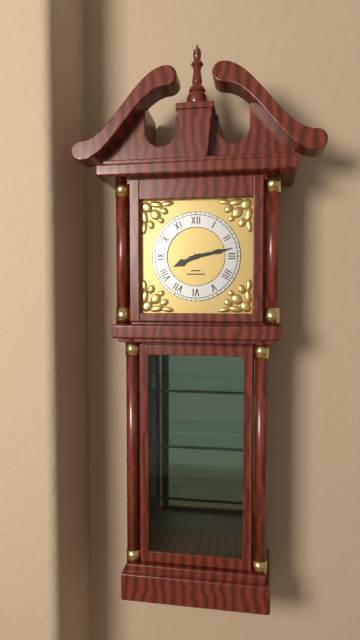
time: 8:13
